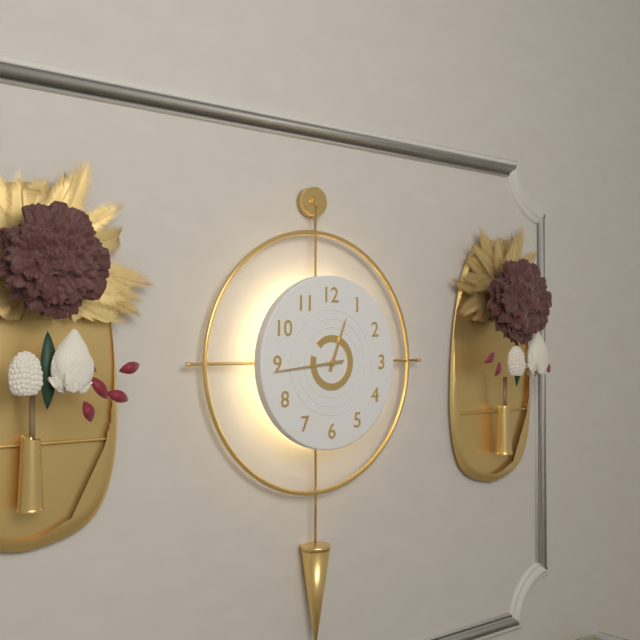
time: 12:44
